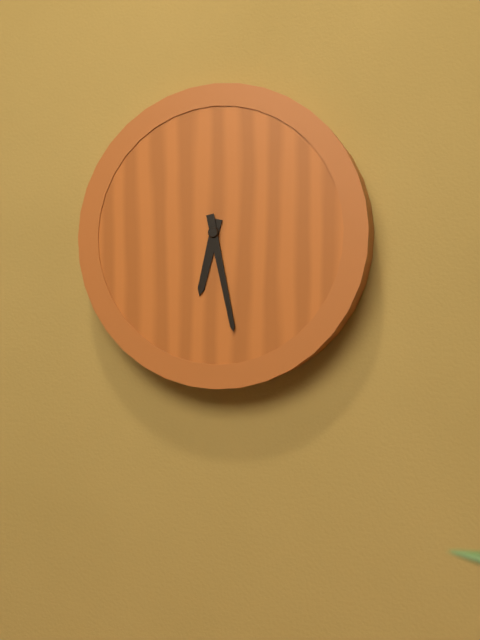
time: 6:28
